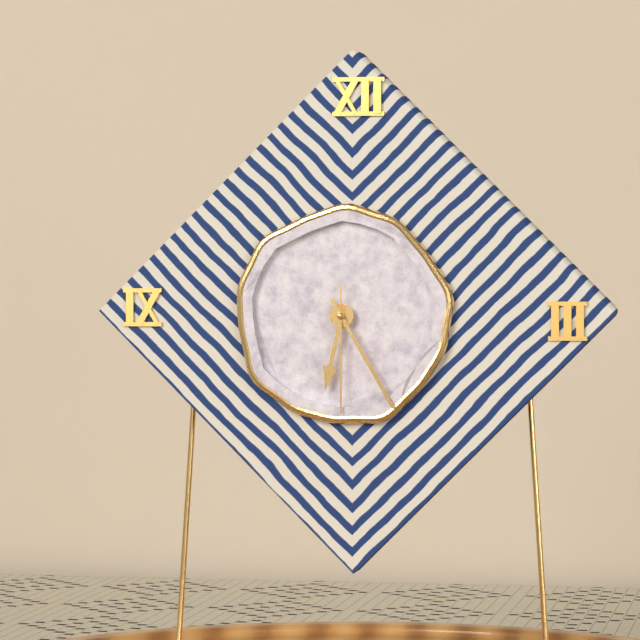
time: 6:25:30
